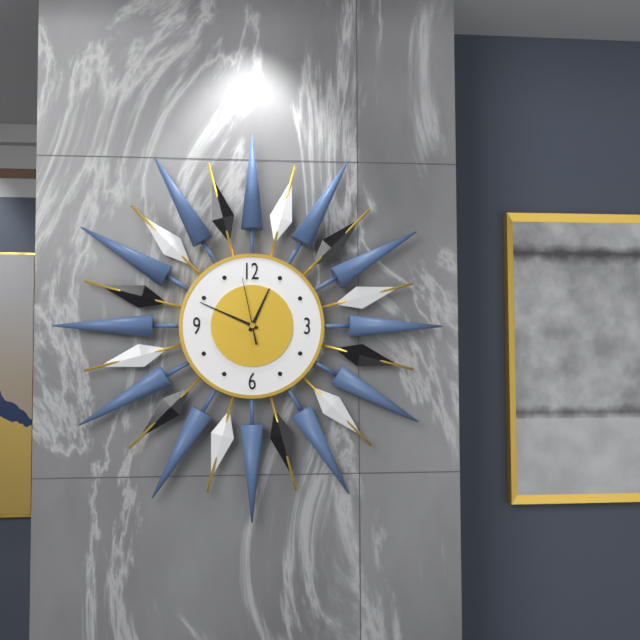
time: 12:49:58
